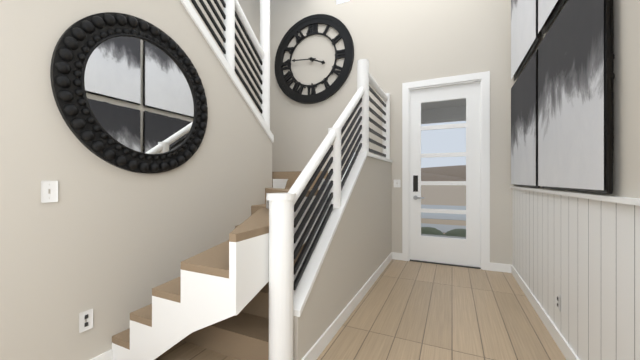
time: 3:46
